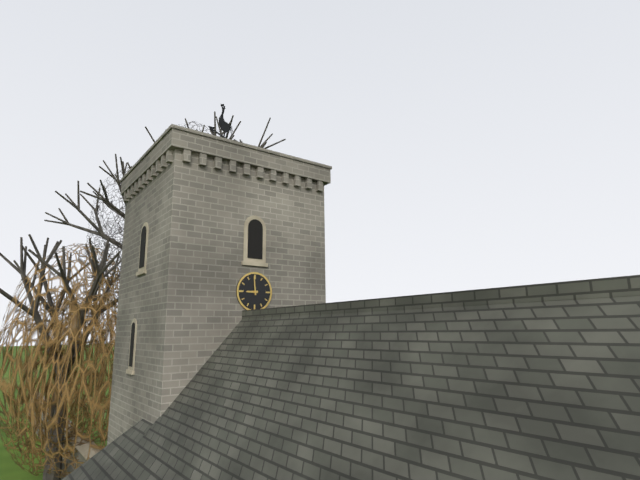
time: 8:59
